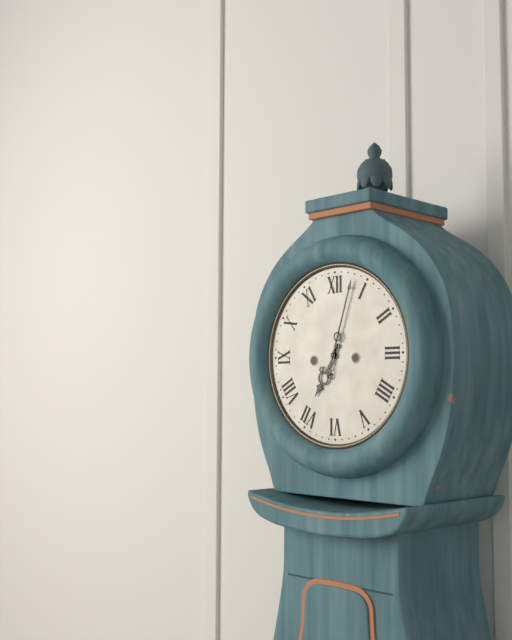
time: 7:03
